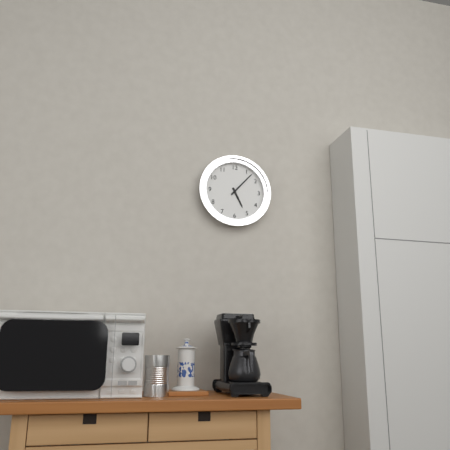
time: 5:07
